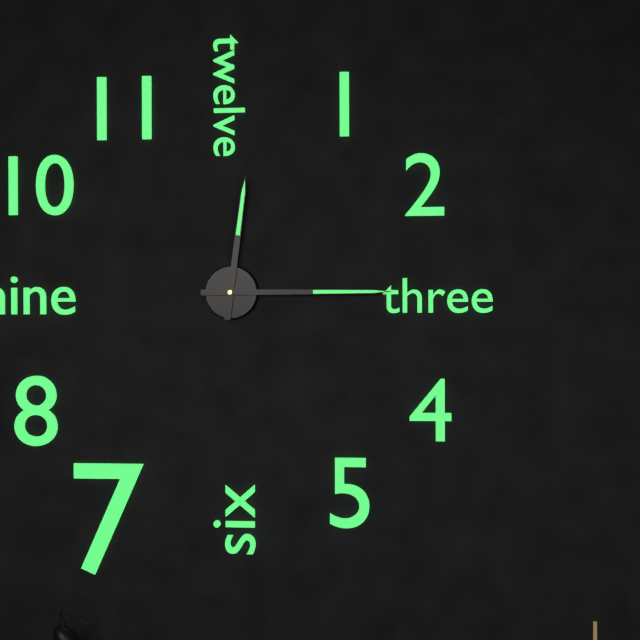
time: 12:15
